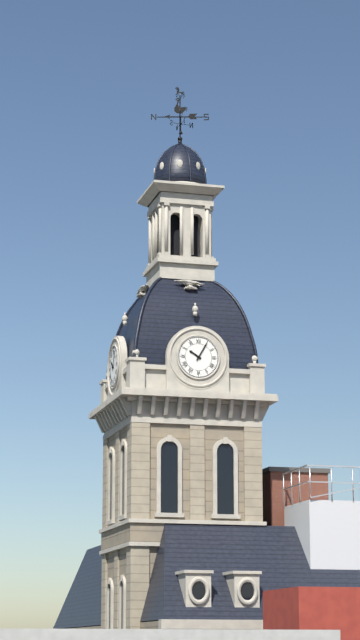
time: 10:05
